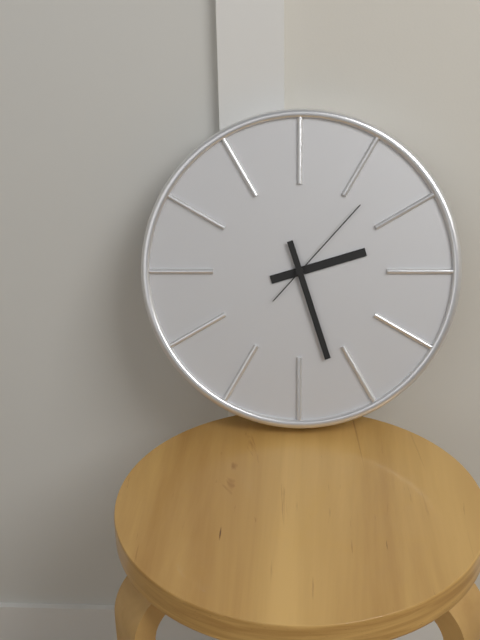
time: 2:27:07
